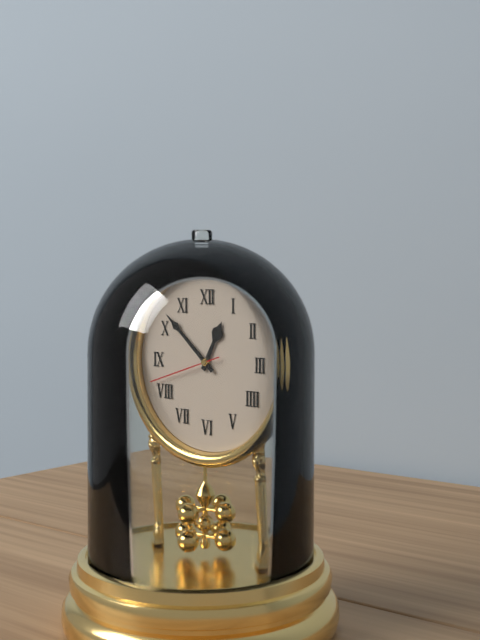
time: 12:52:42
